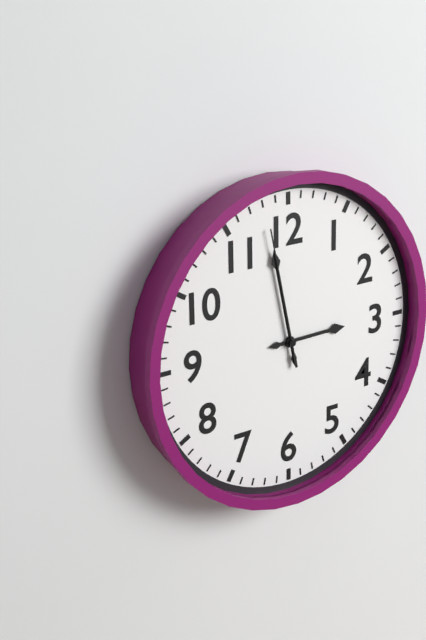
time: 2:58:58
